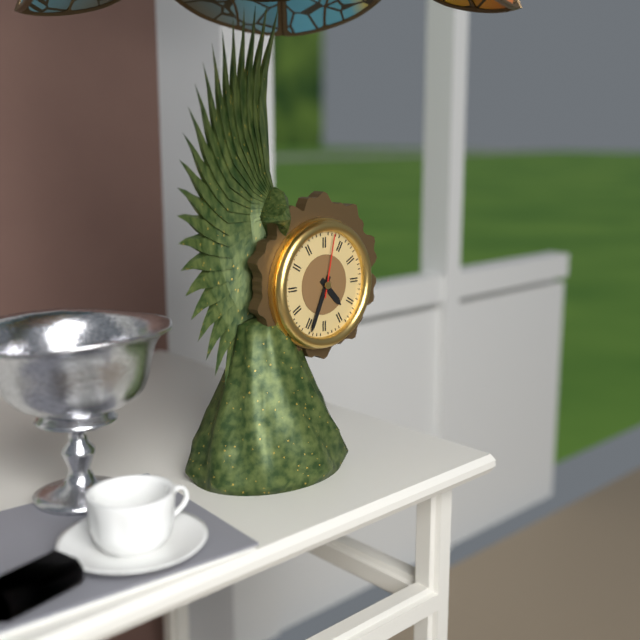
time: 4:34:02
